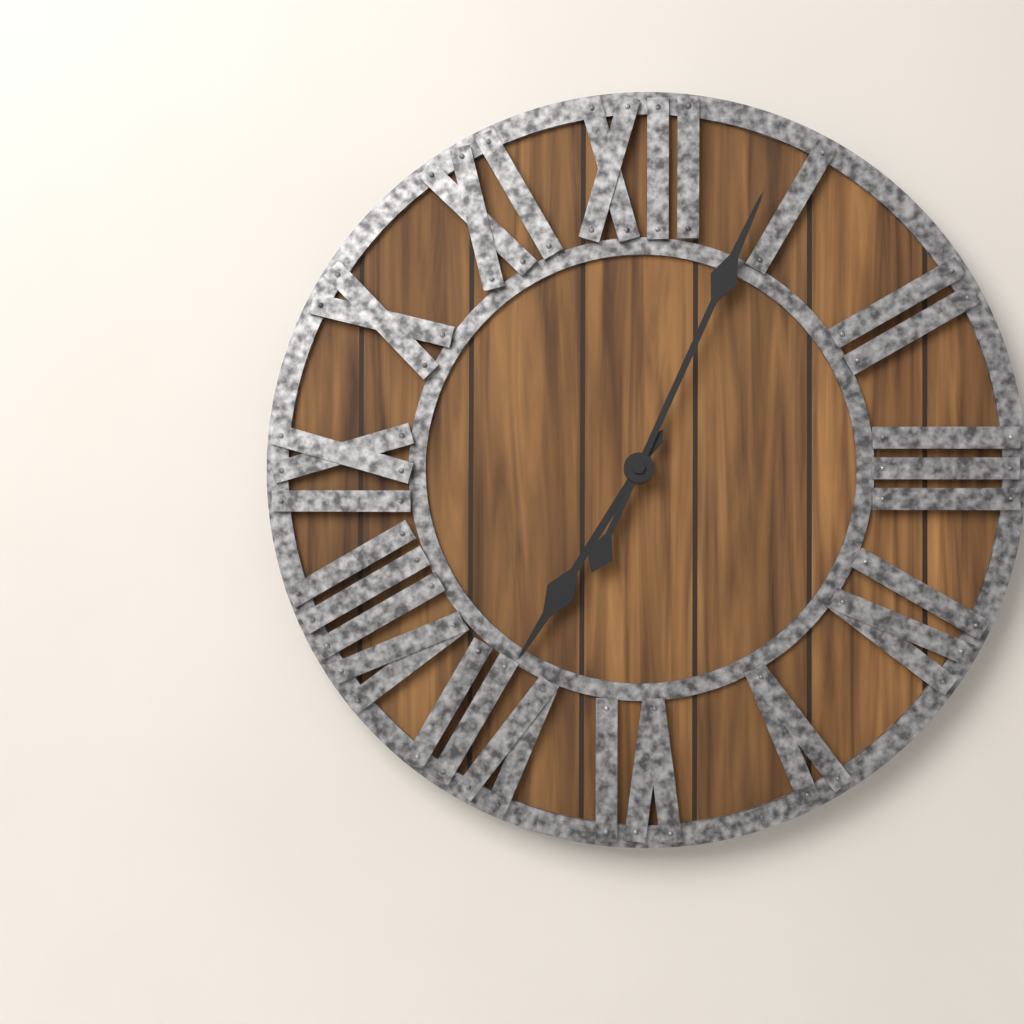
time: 7:04
